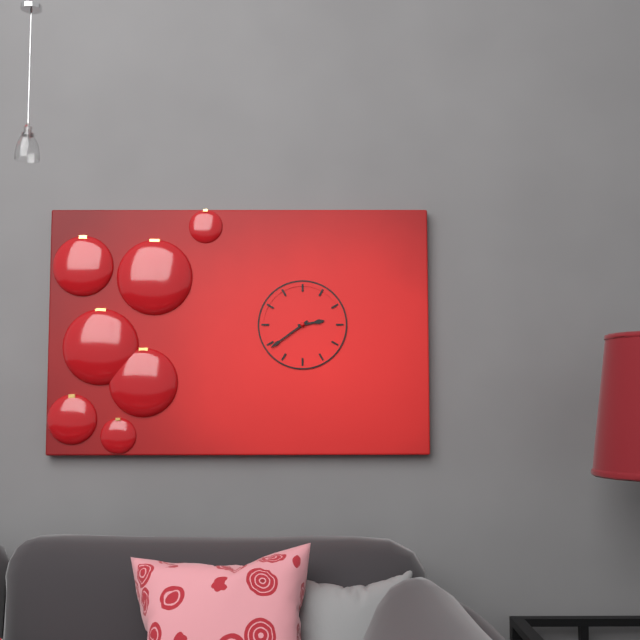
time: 2:39
